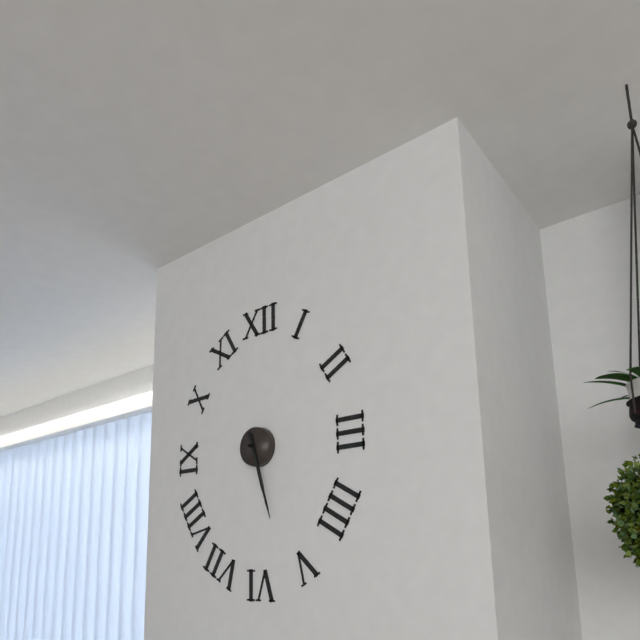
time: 5:27
